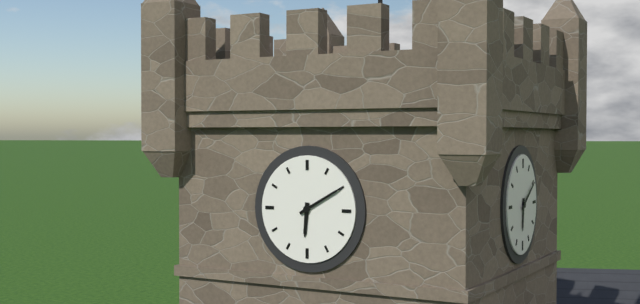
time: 6:10
